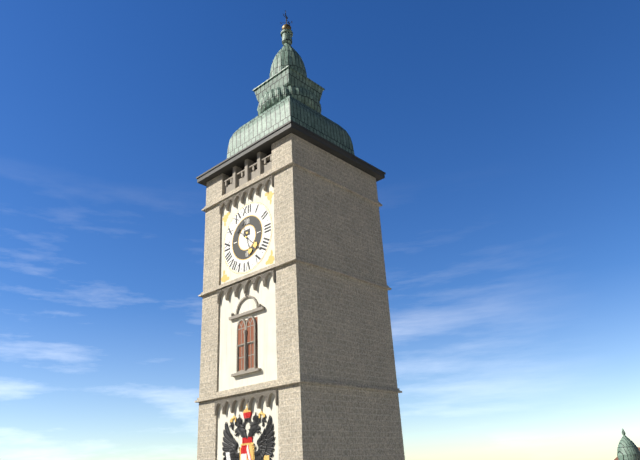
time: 5:22
